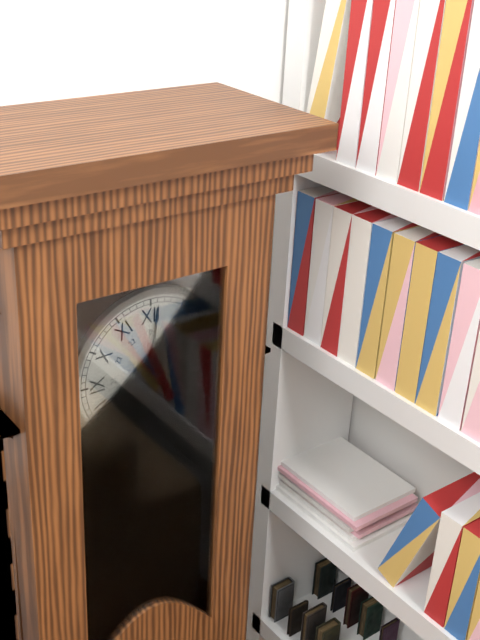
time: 4:01
